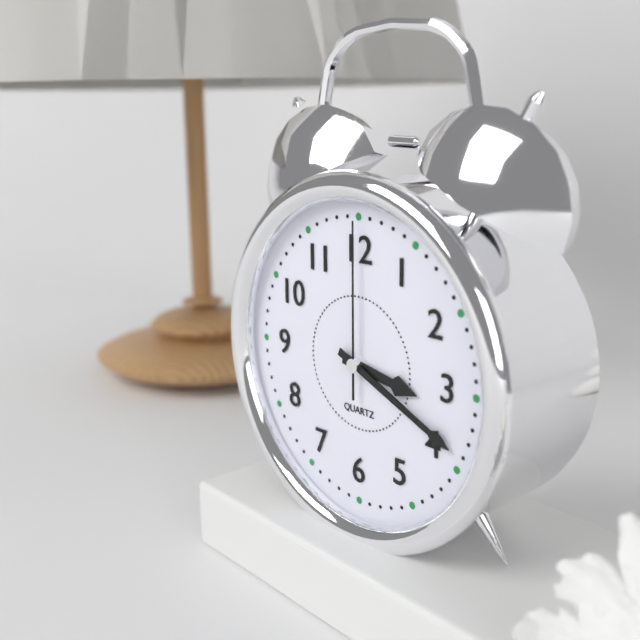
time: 3:19:00
